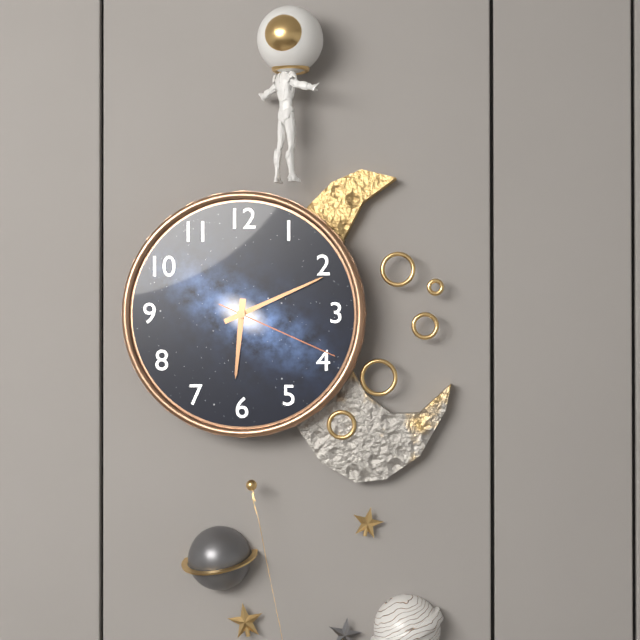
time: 6:11:19
